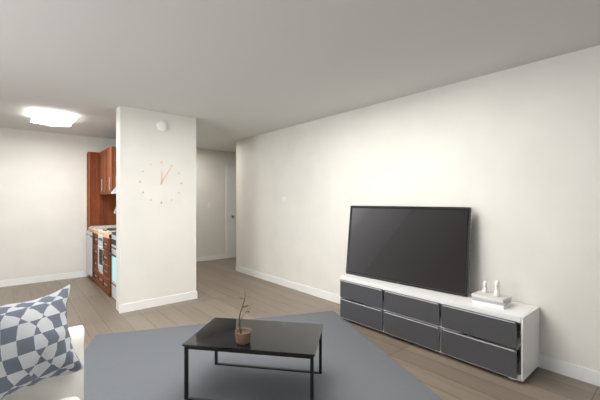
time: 12:05
